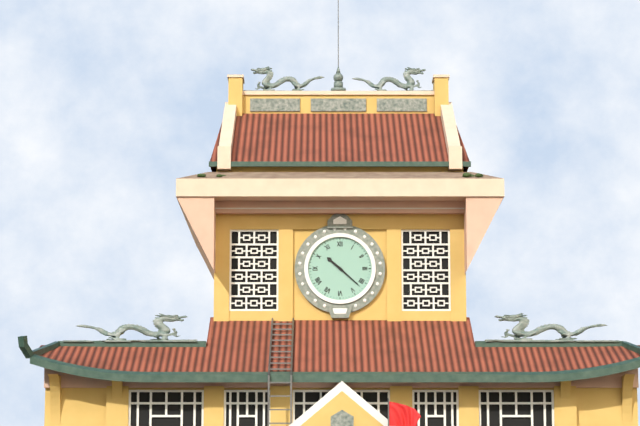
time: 10:22
